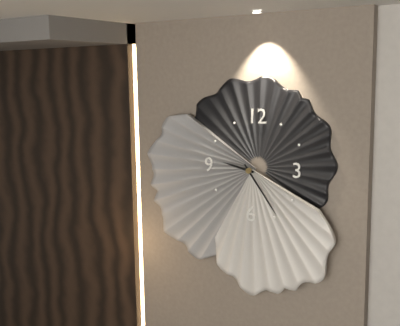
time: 9:24
